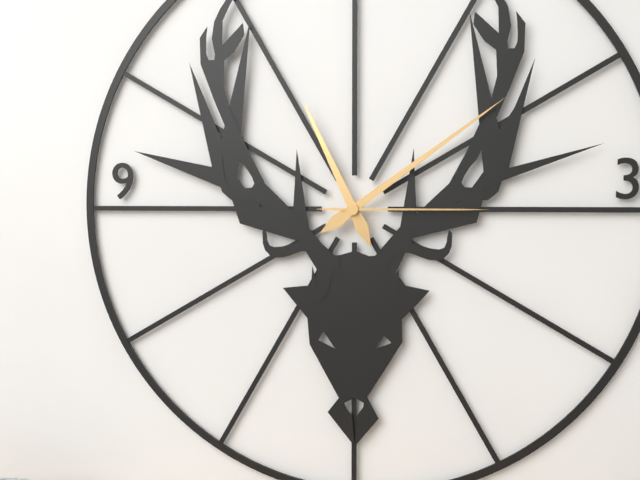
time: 11:09:15
